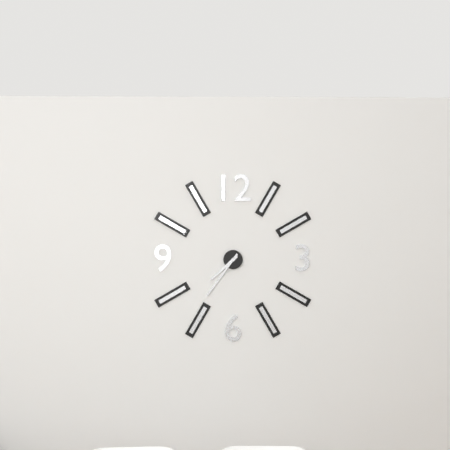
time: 7:36
